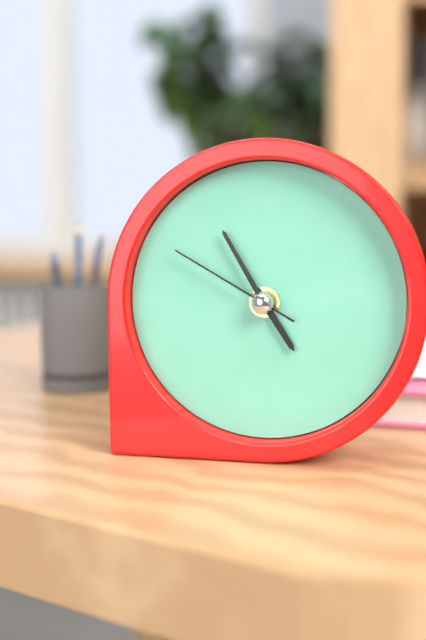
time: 4:55:50
